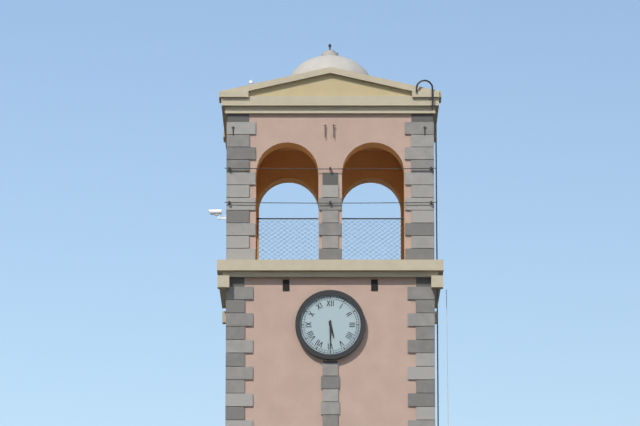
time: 5:30
